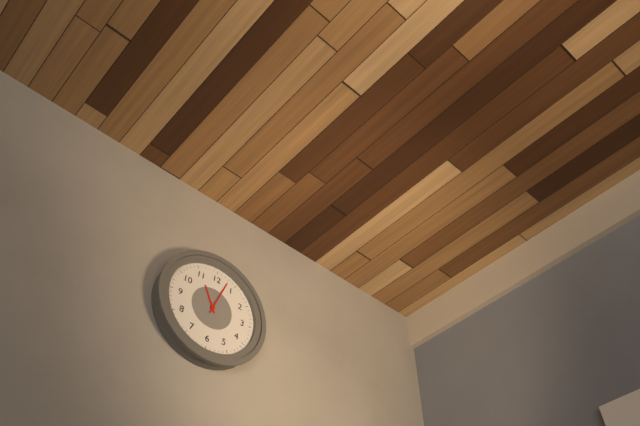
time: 11:03
